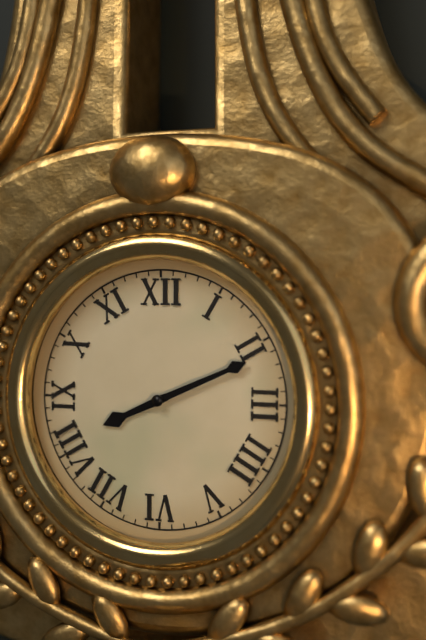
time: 8:11
